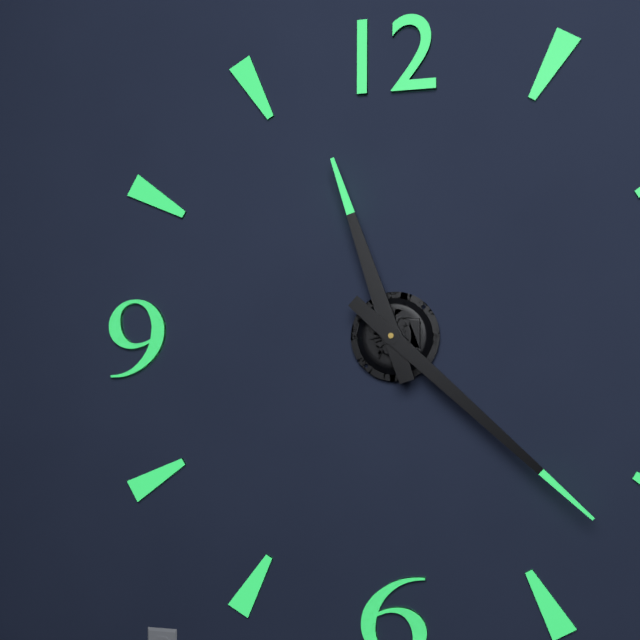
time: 11:22
